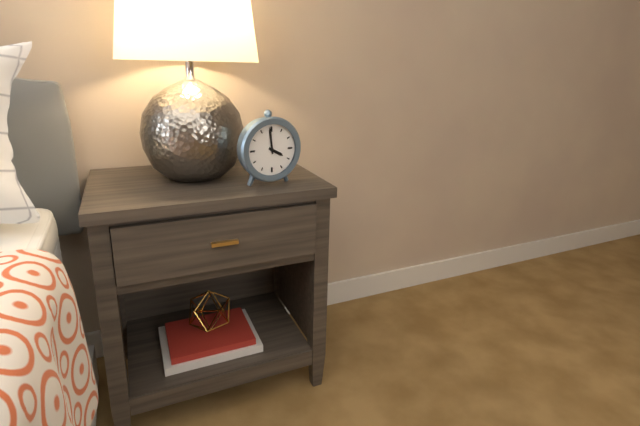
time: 3:59
